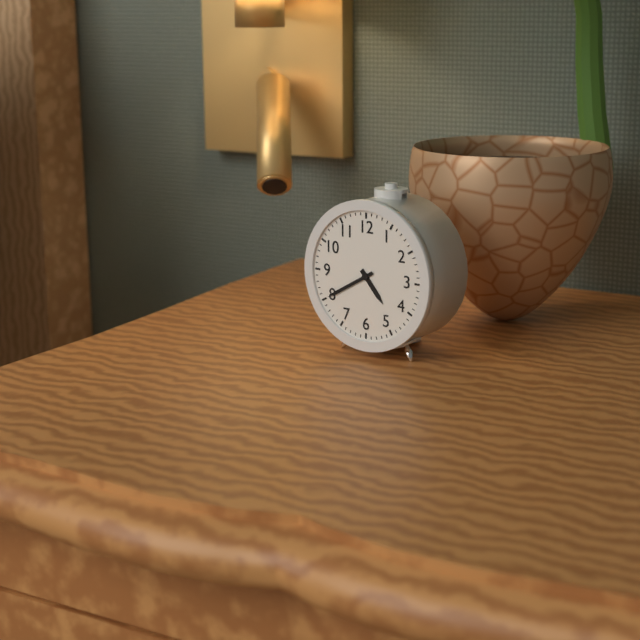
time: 4:40
